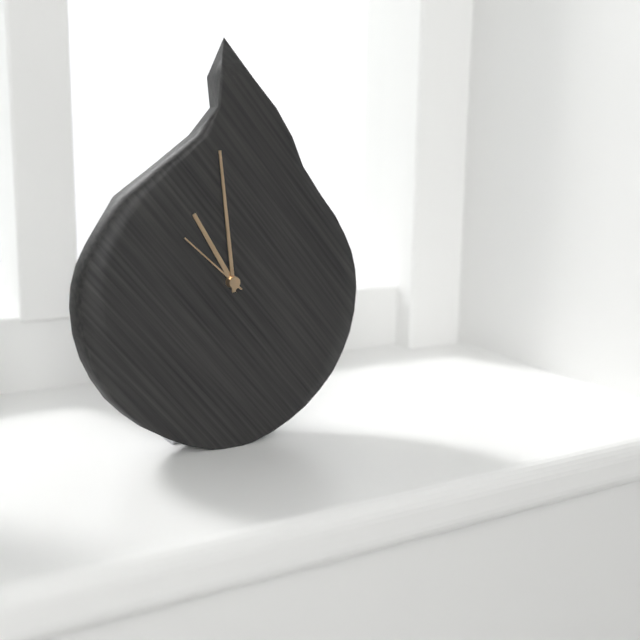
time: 10:59:52
